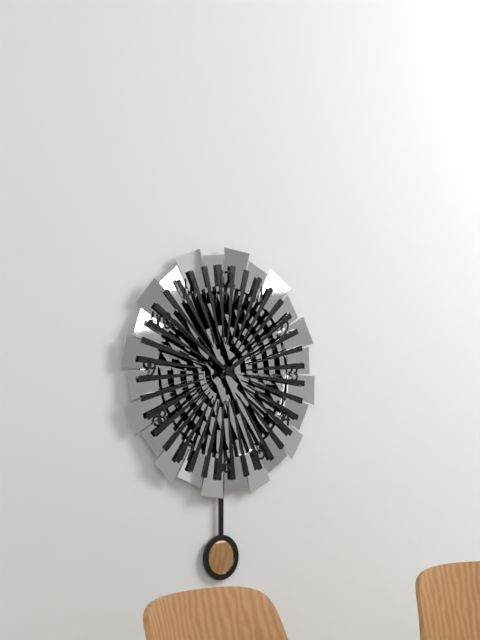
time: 1:51
